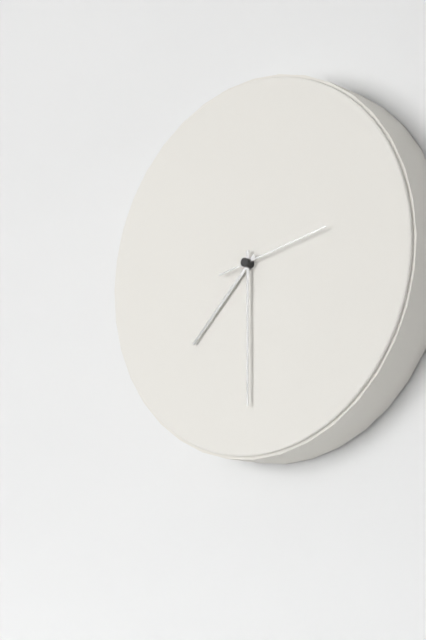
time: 7:30:13
